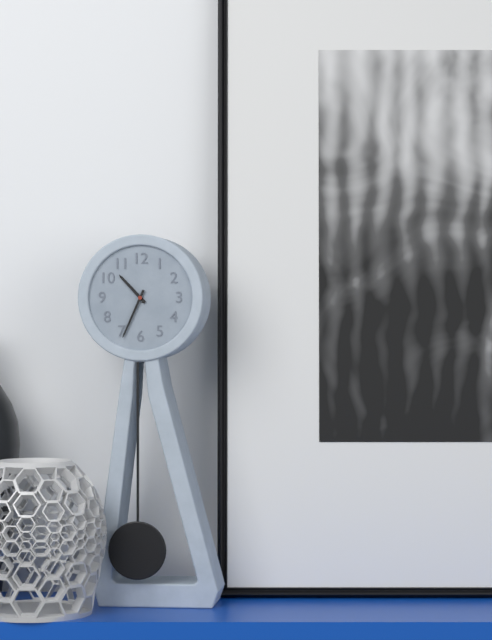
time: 10:34
